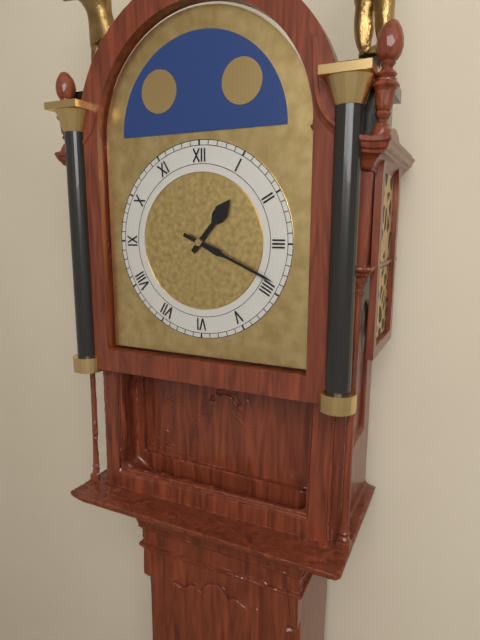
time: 1:19
